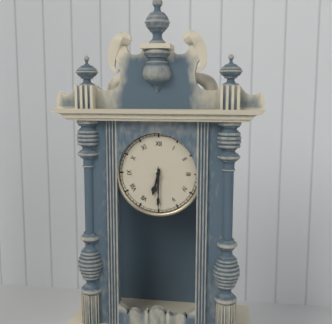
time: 6:30
